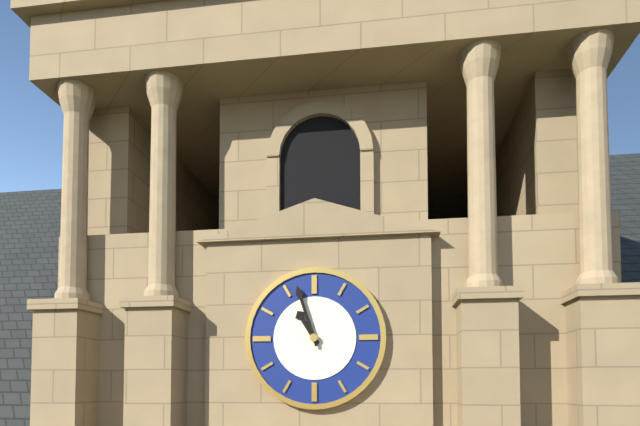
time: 10:57
